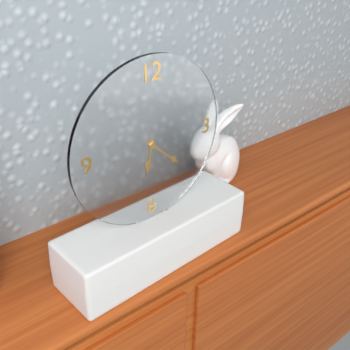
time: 6:22
